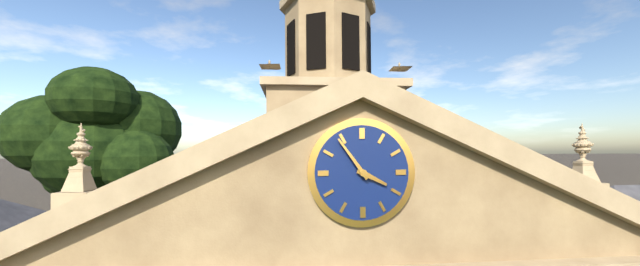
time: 3:54
